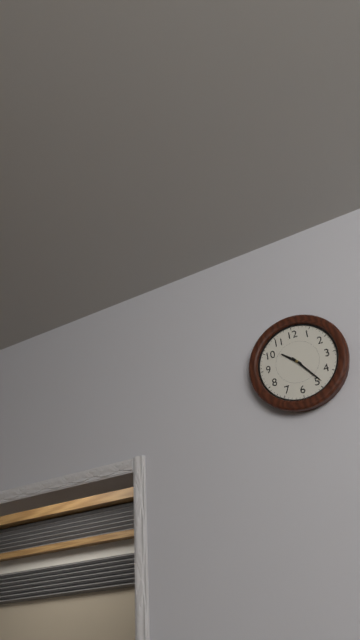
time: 10:24
